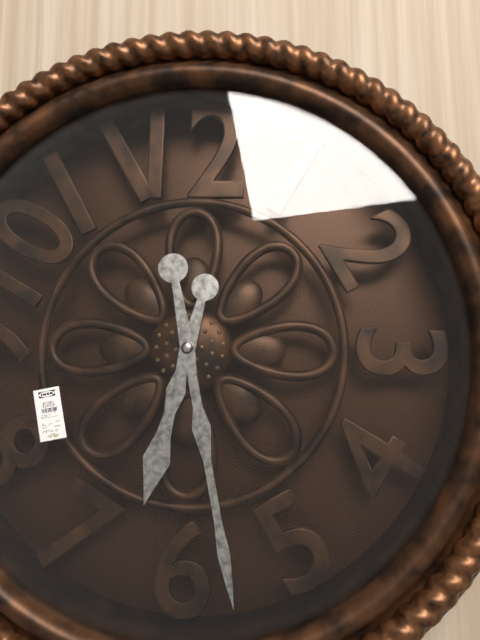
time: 6:28
